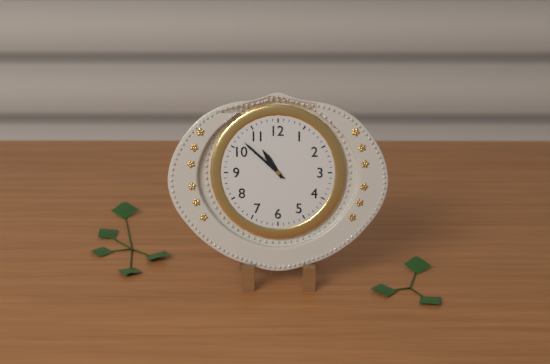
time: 10:52
